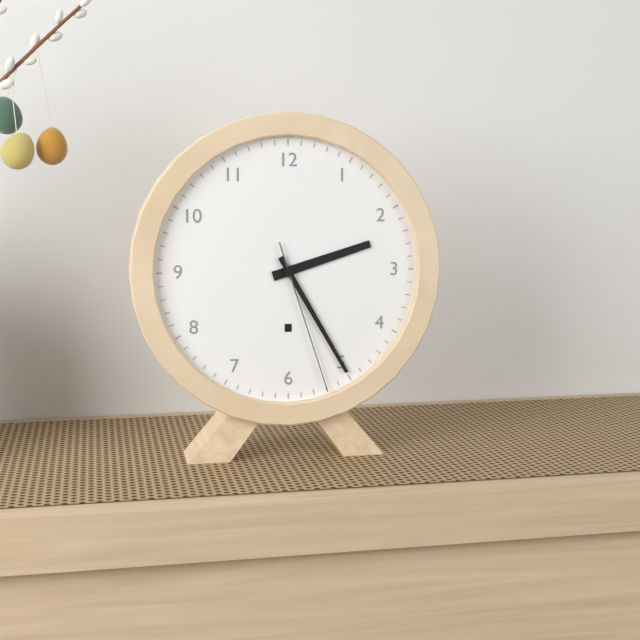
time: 2:25:27
